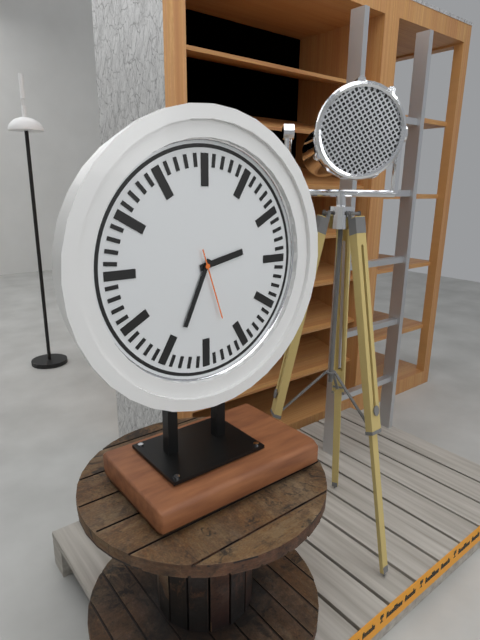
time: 2:34:27
